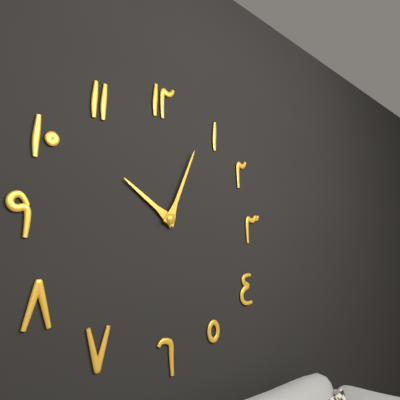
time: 10:04
